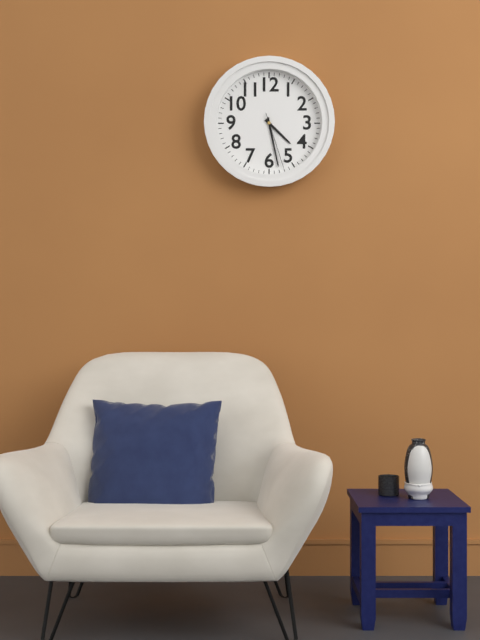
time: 4:28:27
